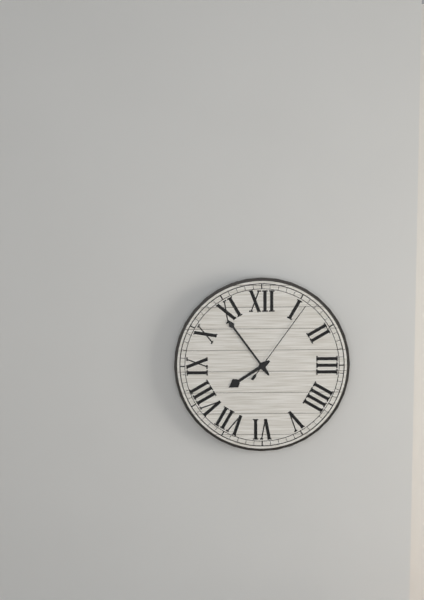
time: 7:54:06
